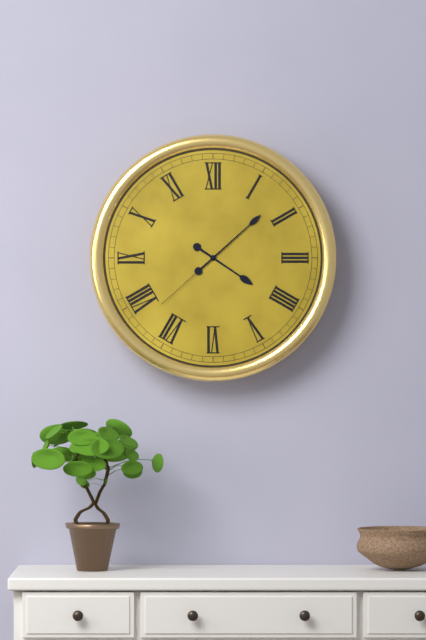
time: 4:08:38
